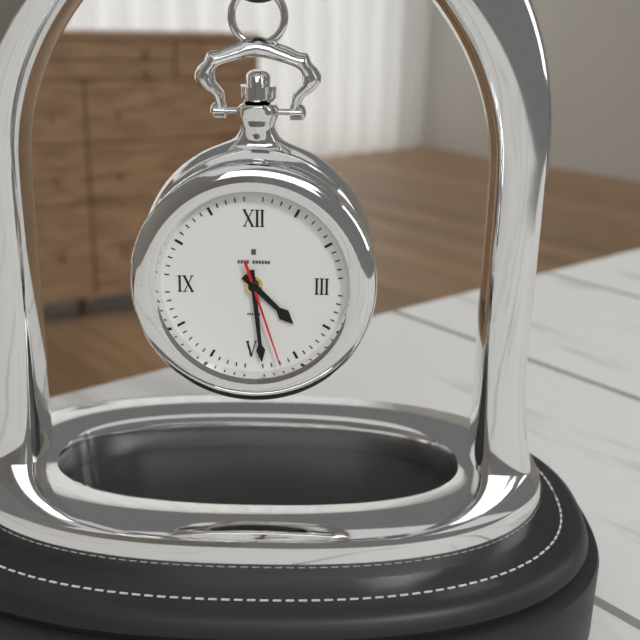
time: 4:29:27
